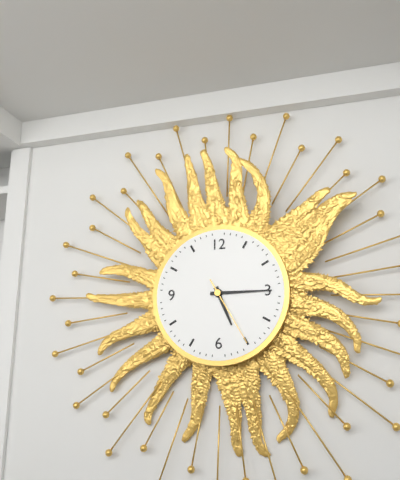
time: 5:15:25
